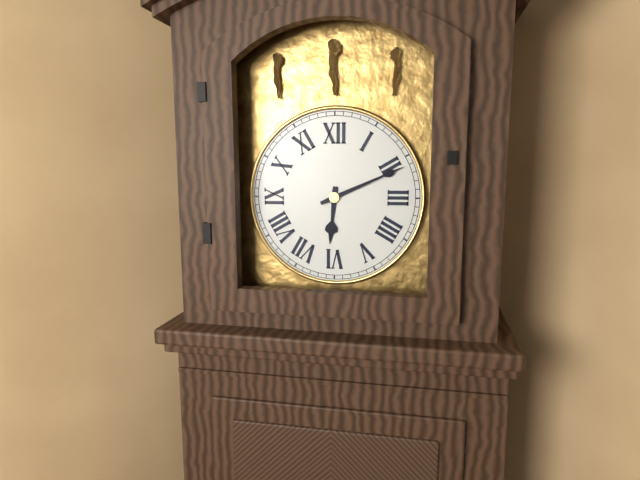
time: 6:11
